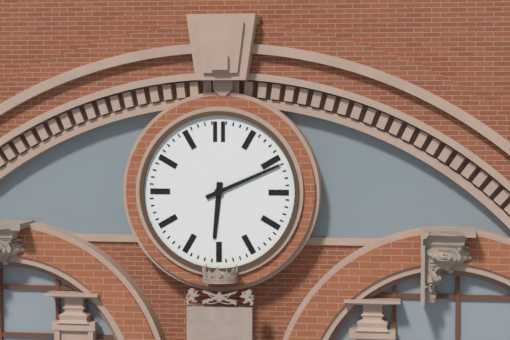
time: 6:11
